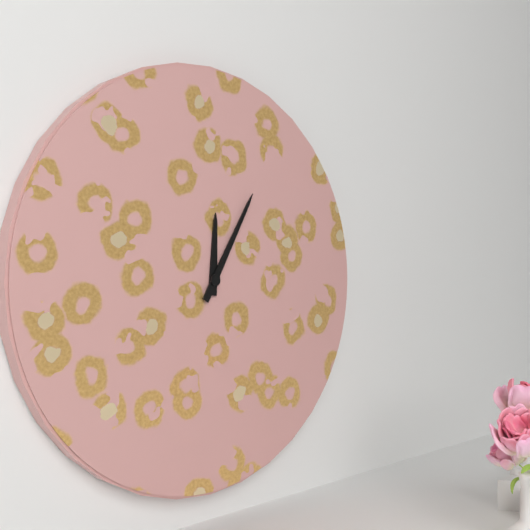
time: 12:05
